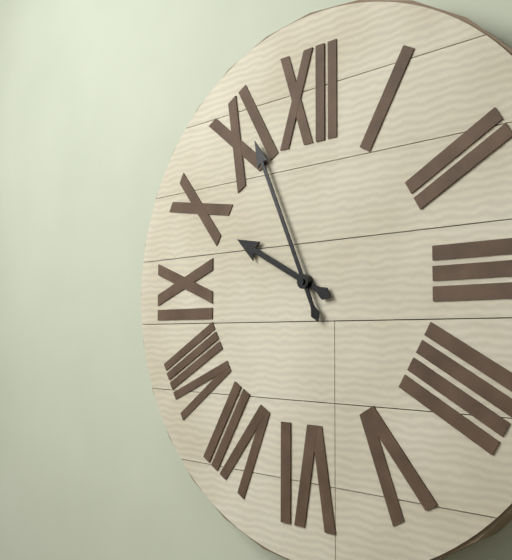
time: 9:56
